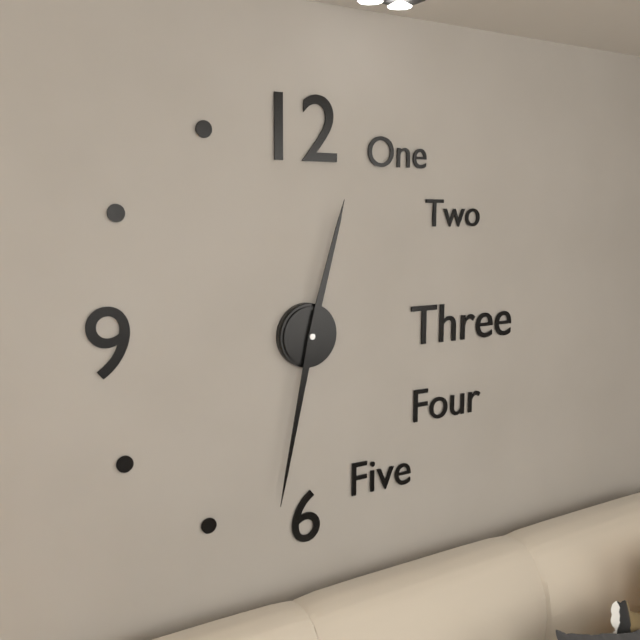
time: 12:32
